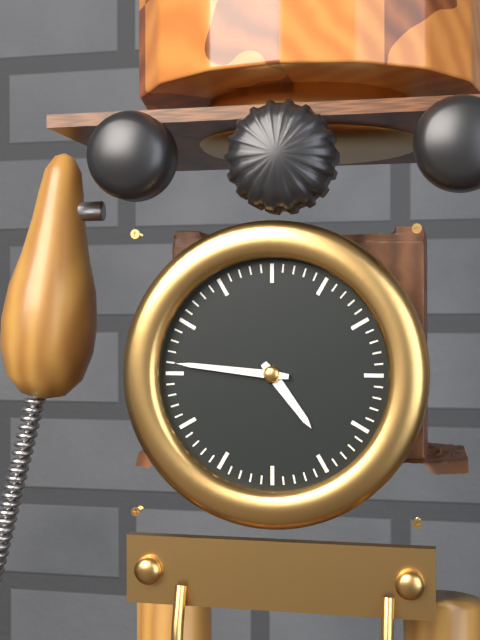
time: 4:46
